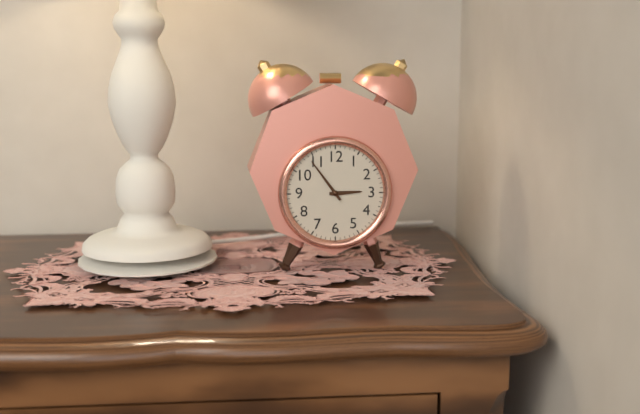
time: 2:54
